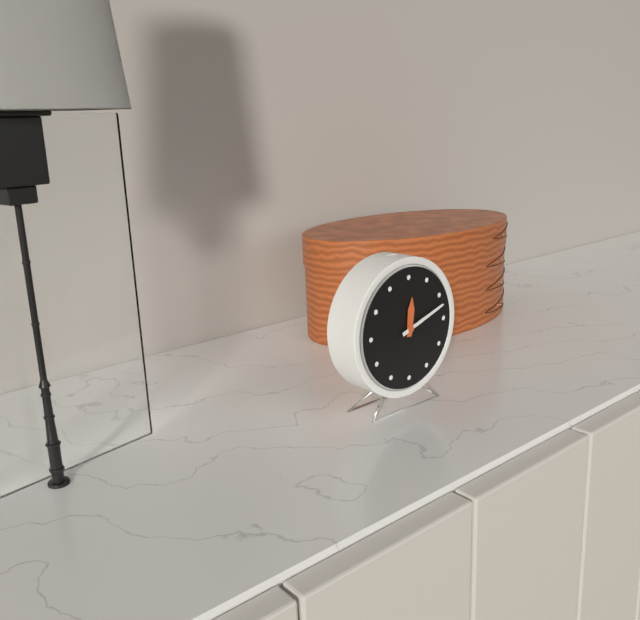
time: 12:12
